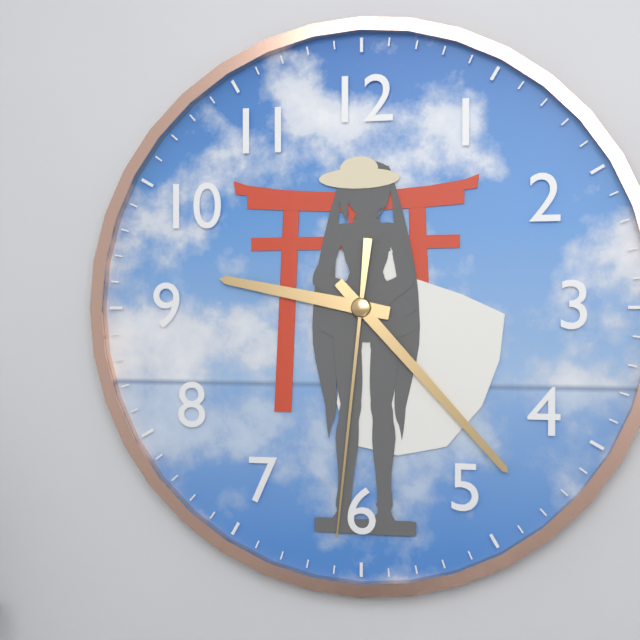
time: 9:23:31
